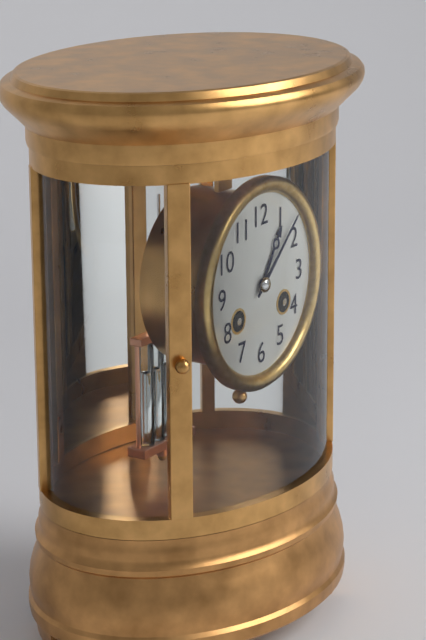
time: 1:08
